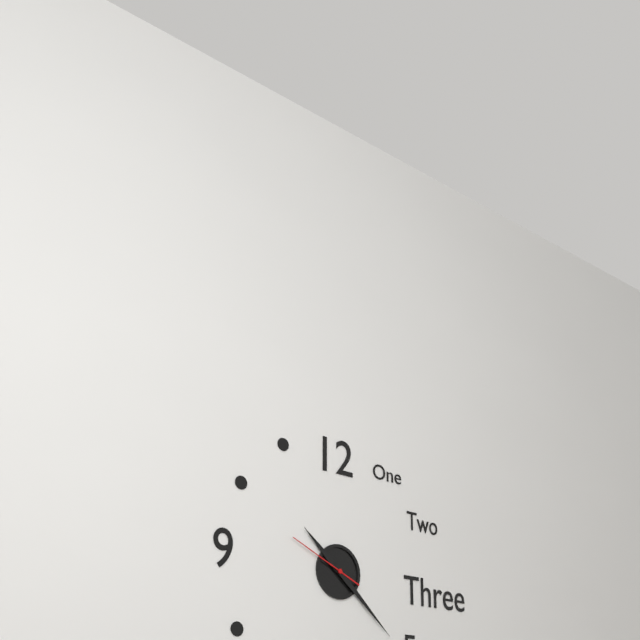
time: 10:22:49
